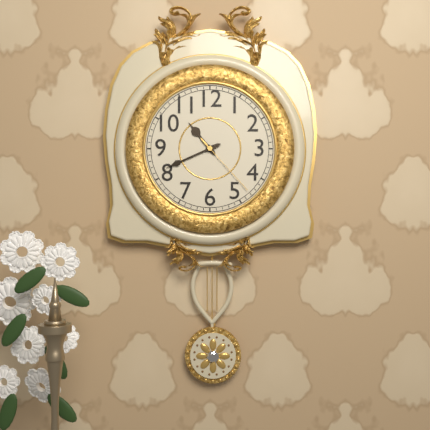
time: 10:41:23
